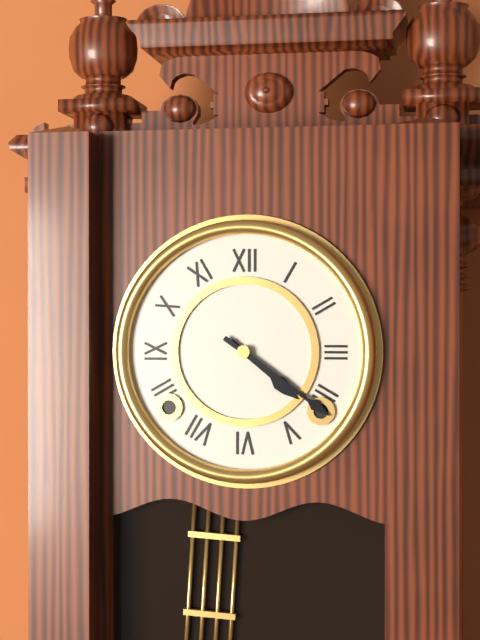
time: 4:21
